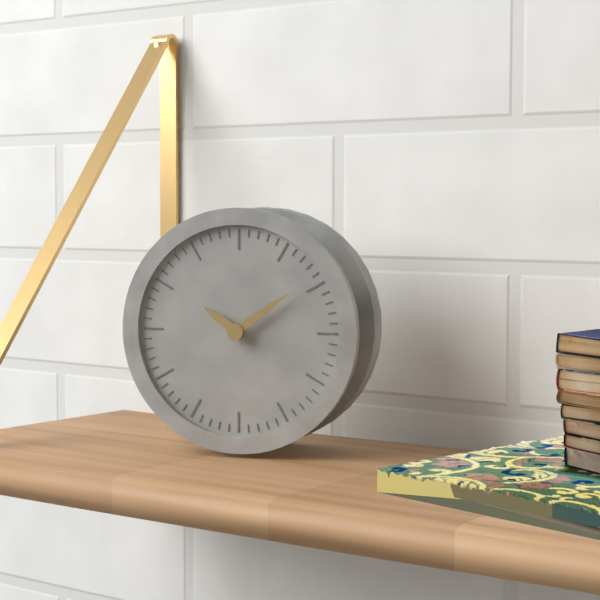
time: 10:09
